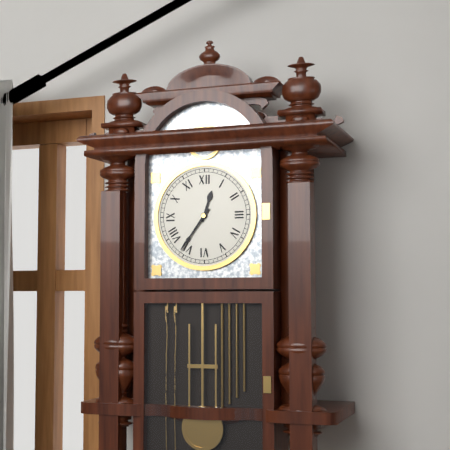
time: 12:36
